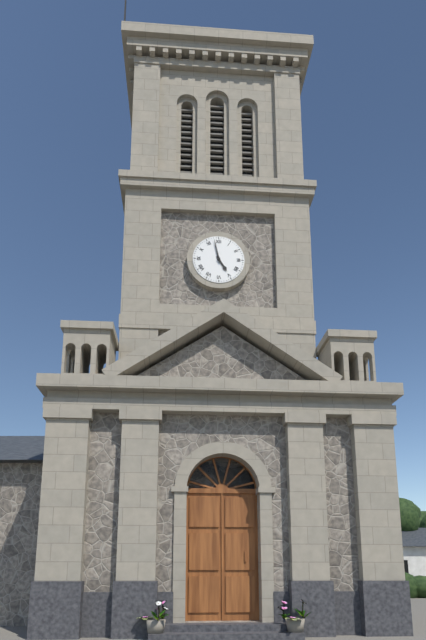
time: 4:58
